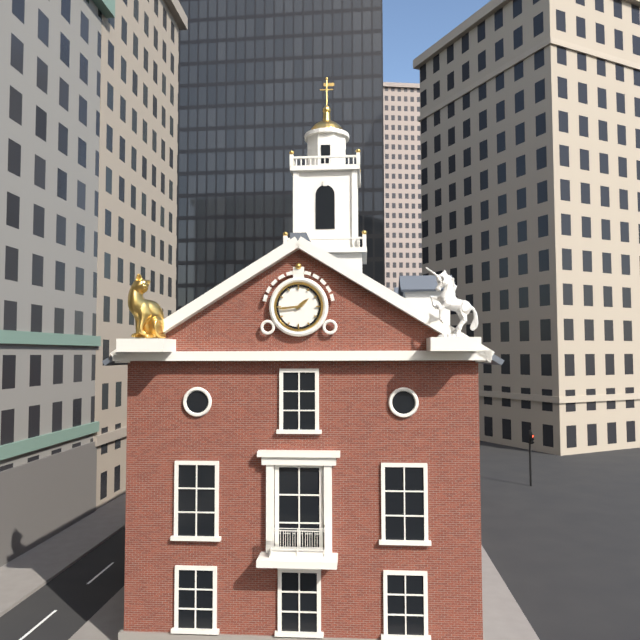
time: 1:44
